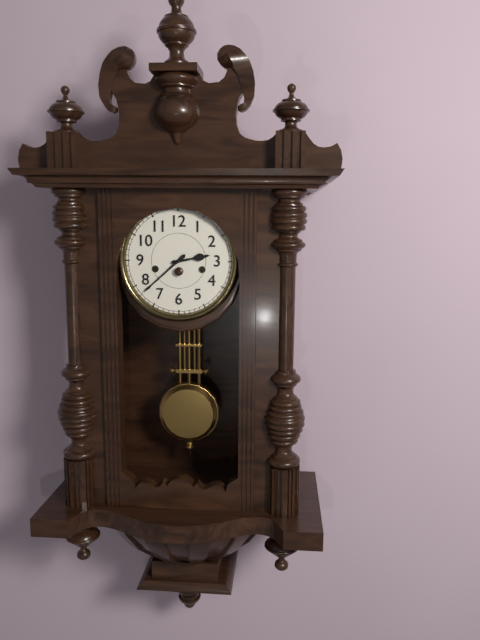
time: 2:38
